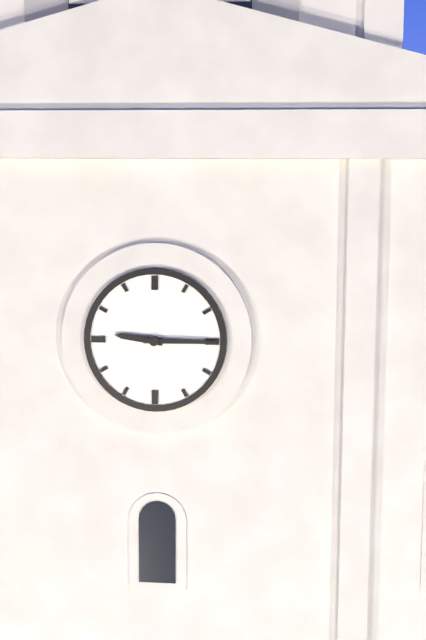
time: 9:15
